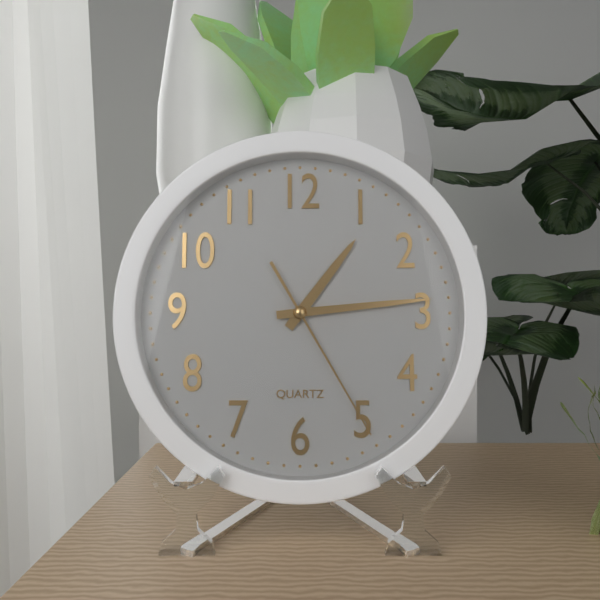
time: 1:14:25
